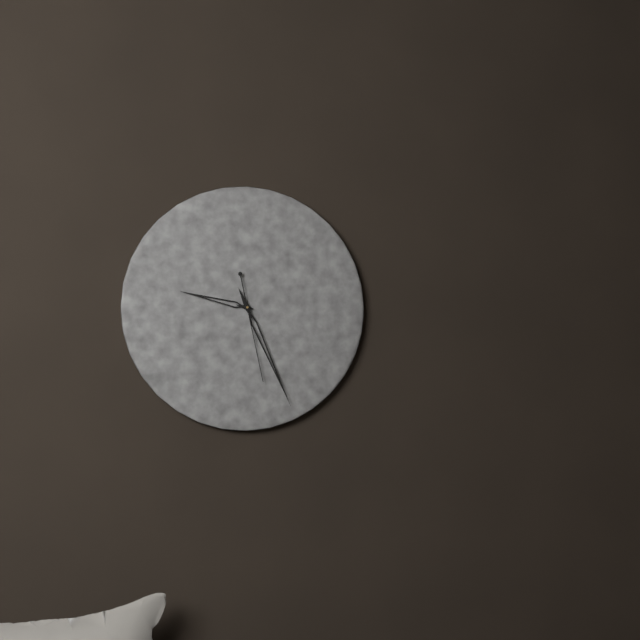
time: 9:26:28
